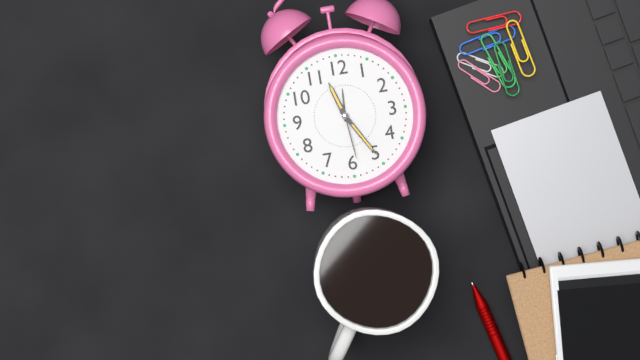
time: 11:25:29
